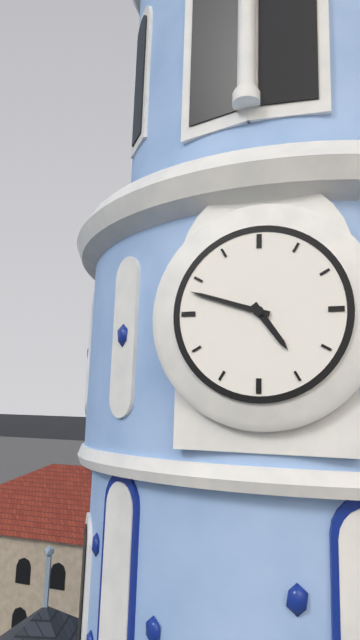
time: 4:48
